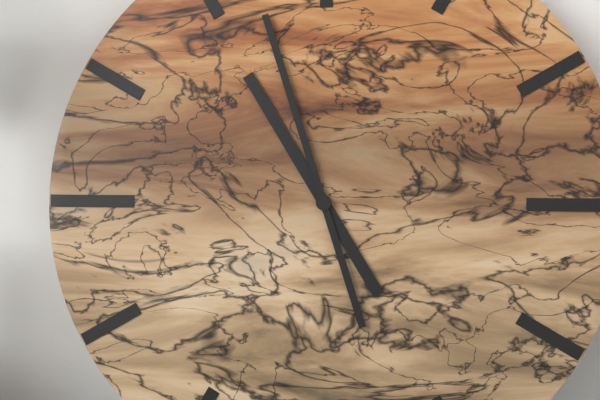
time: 10:57
